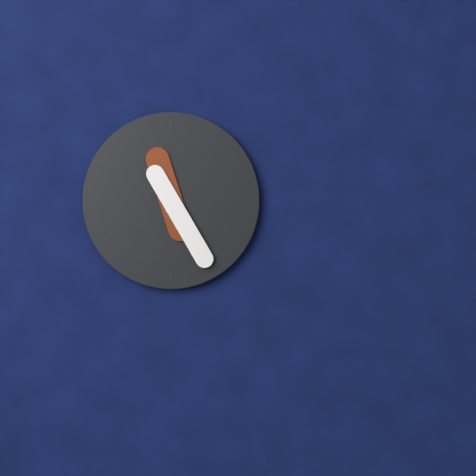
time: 11:25
